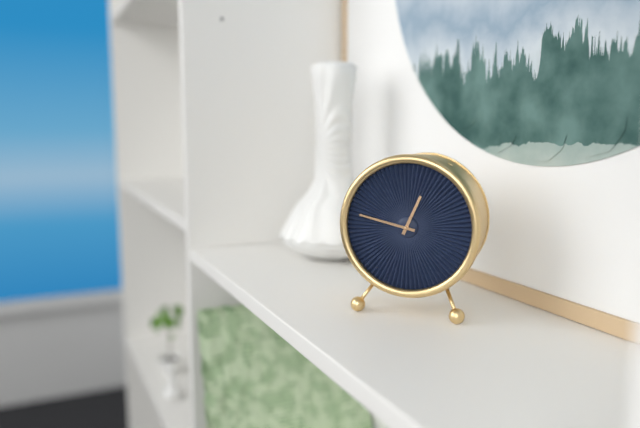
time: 12:47
